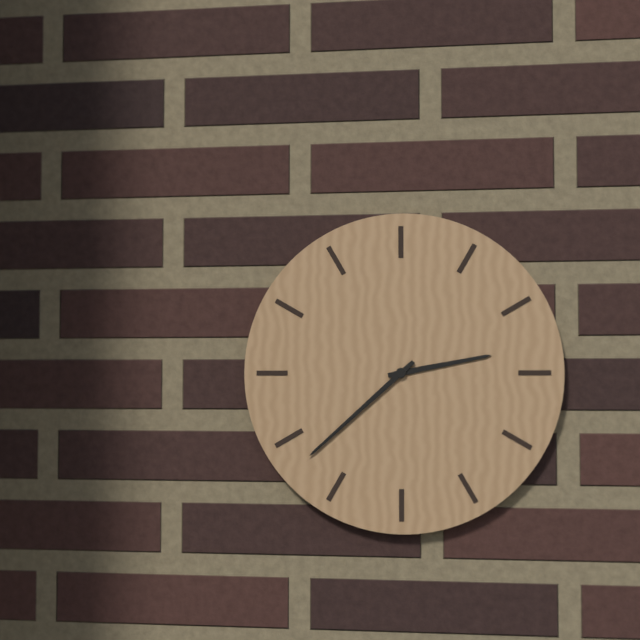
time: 2:38
